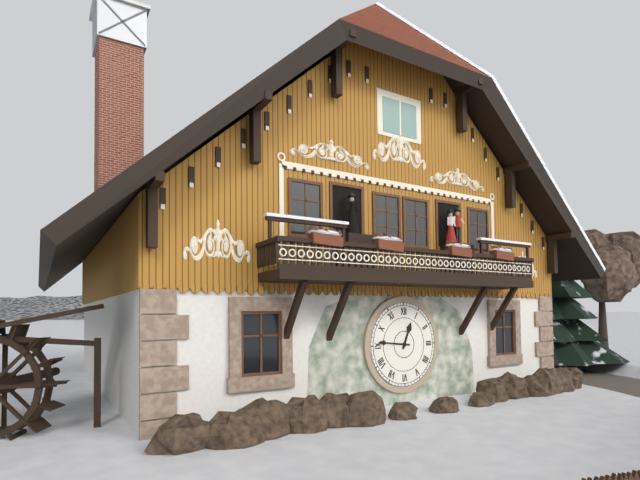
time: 12:46
